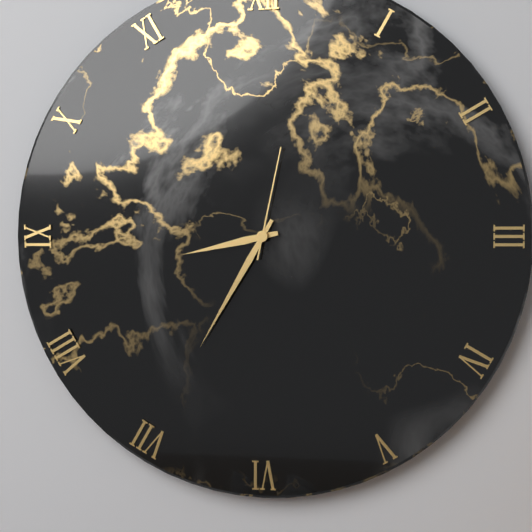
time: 8:35:02
